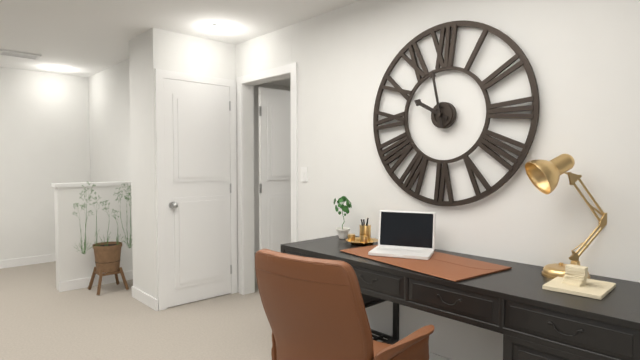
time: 9:58
